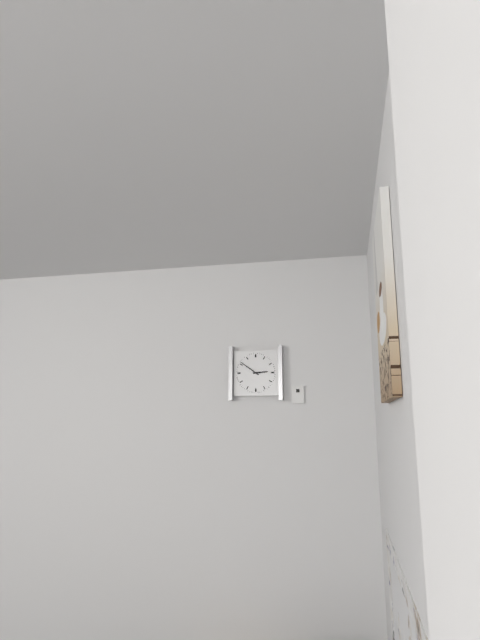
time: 2:51
